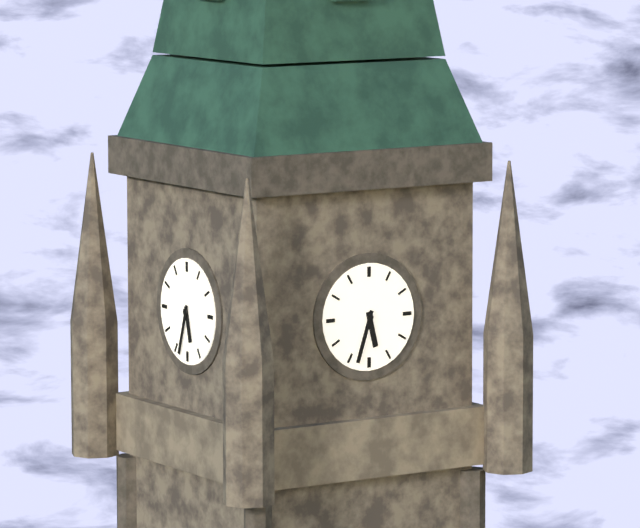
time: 5:33
